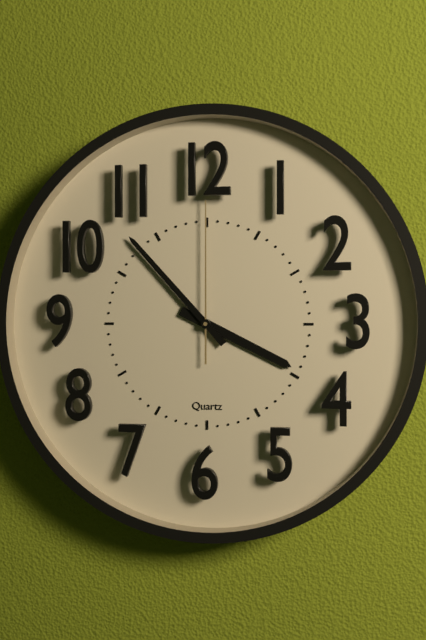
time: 3:53:00
